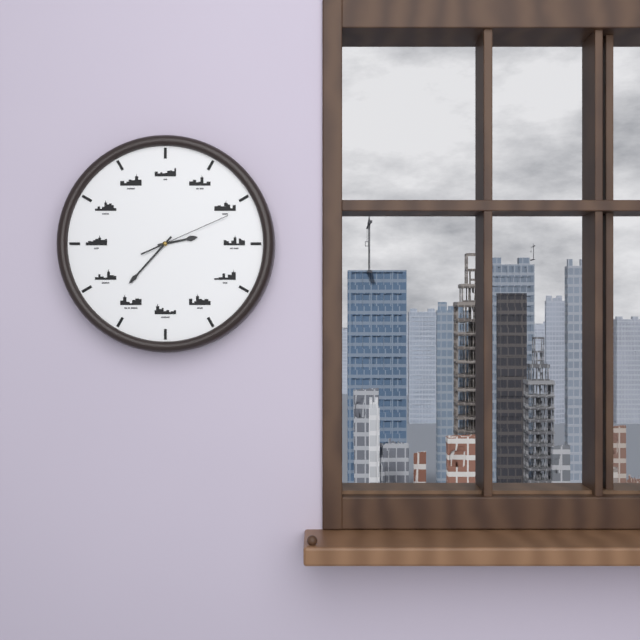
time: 2:37:11
